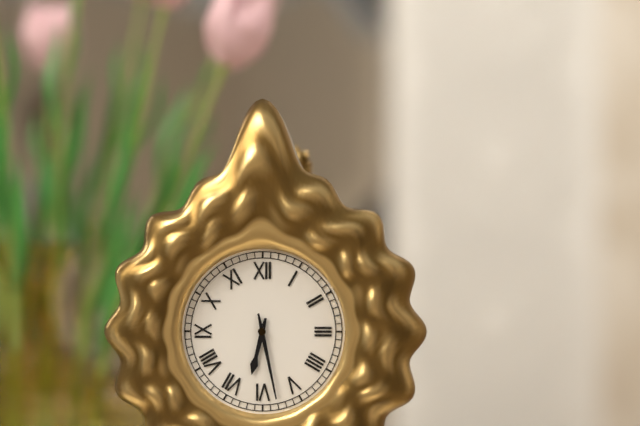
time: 6:28
